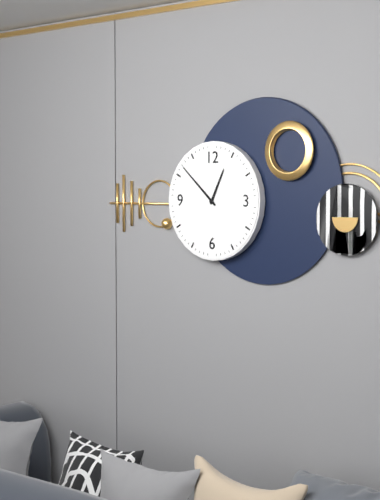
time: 12:52
